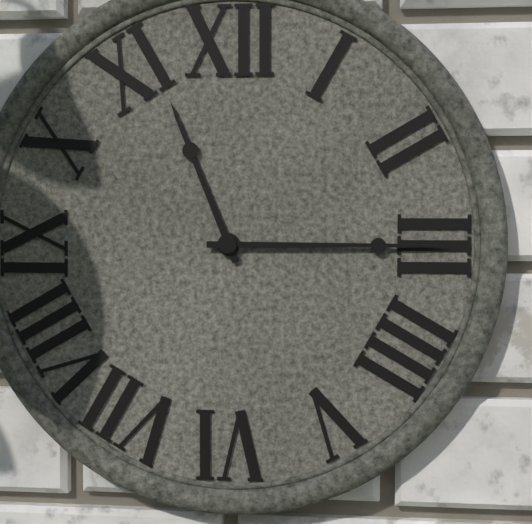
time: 11:15
